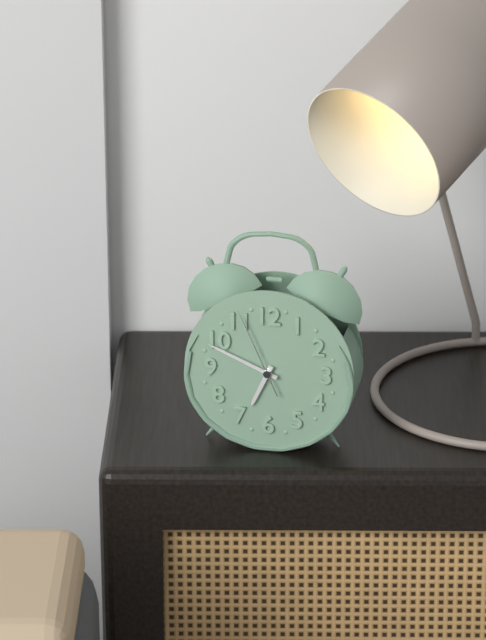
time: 6:49:56
